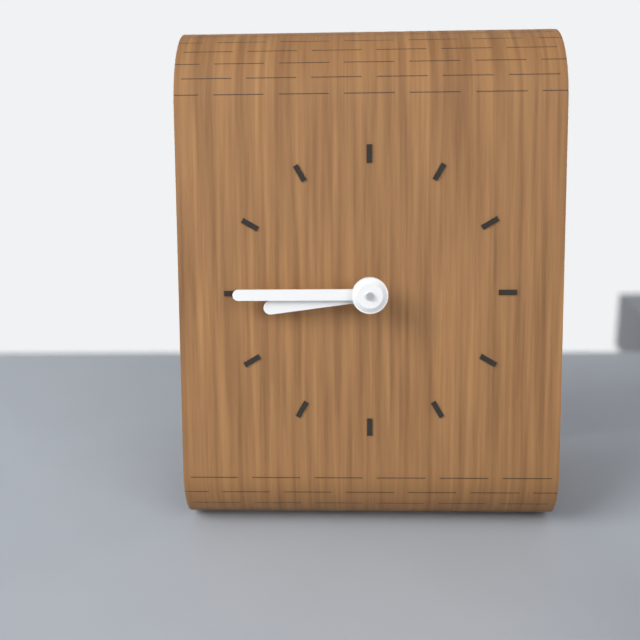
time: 8:45
